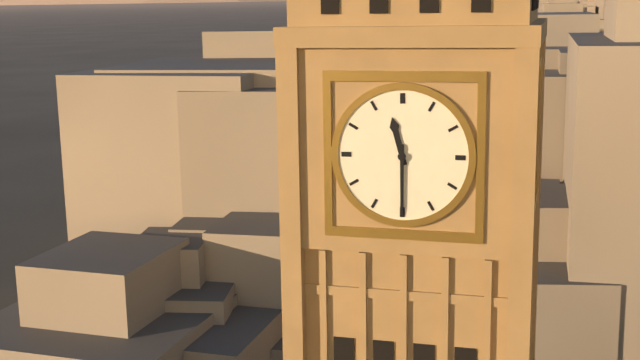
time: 11:30
